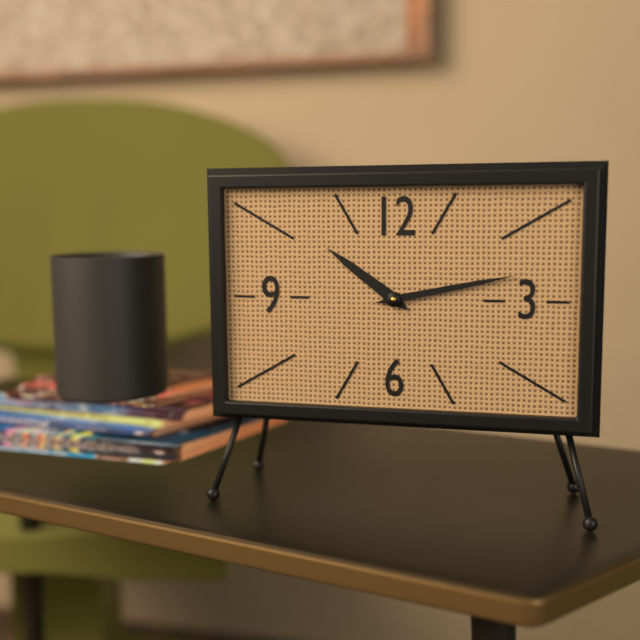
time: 10:13
